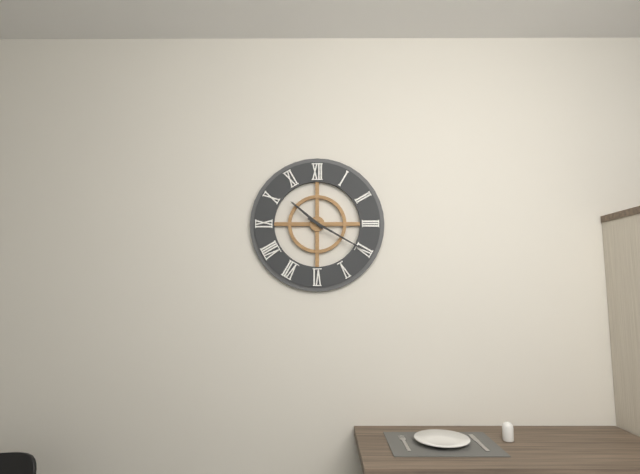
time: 10:20
